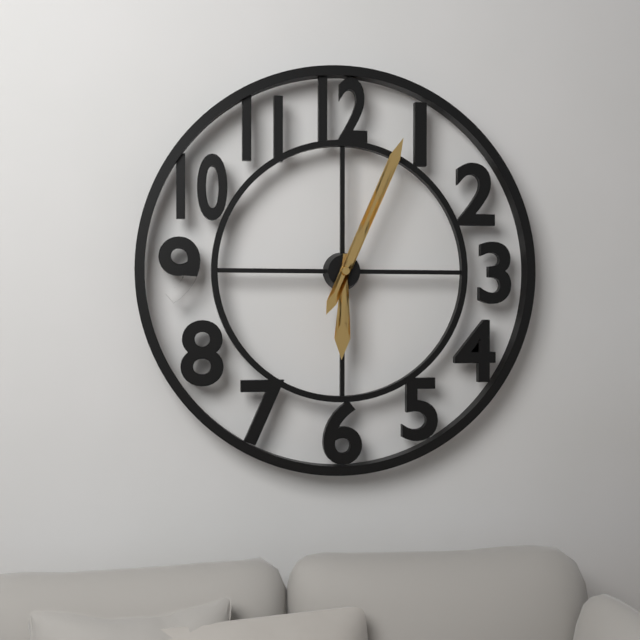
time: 6:04
